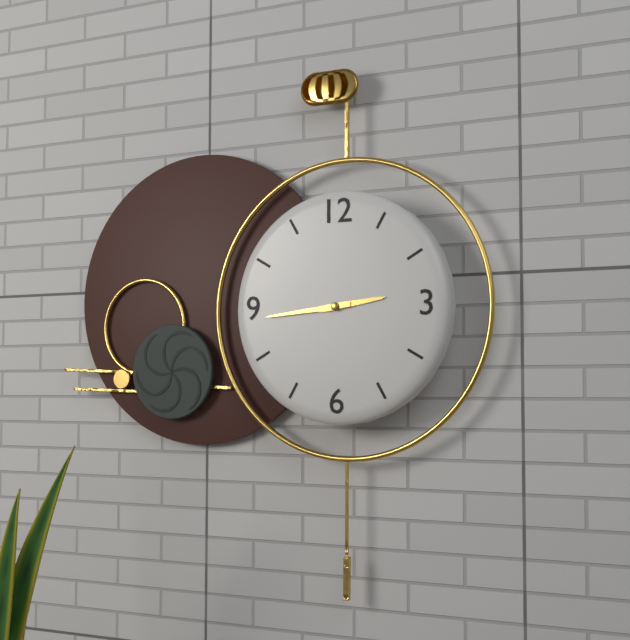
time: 2:44
